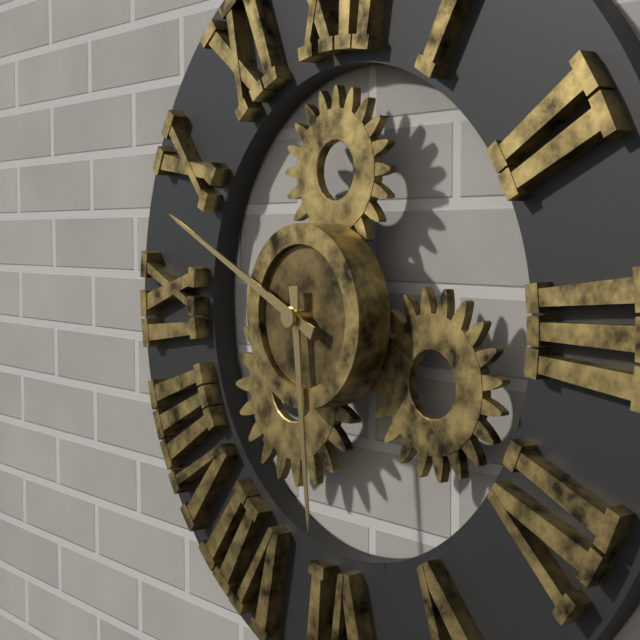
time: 5:49
